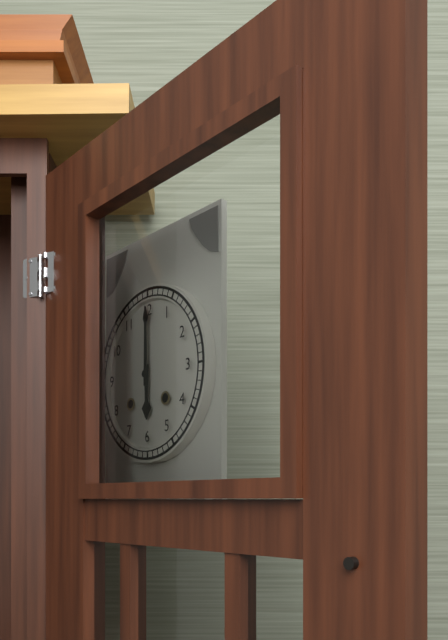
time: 6:00
